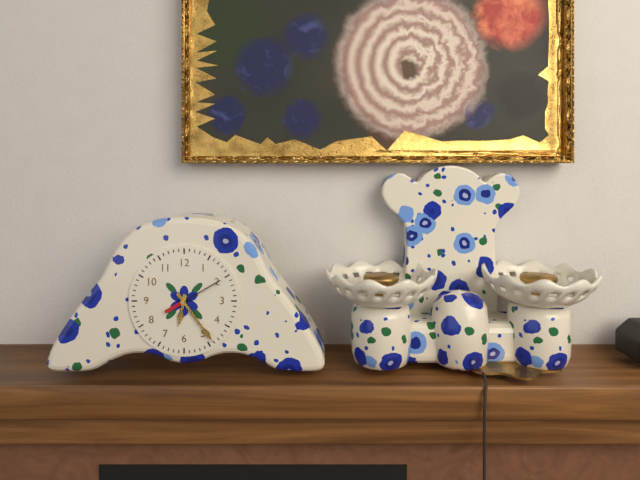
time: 6:24
